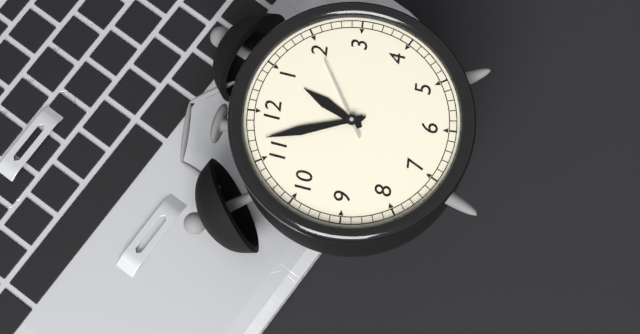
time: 12:57:10
